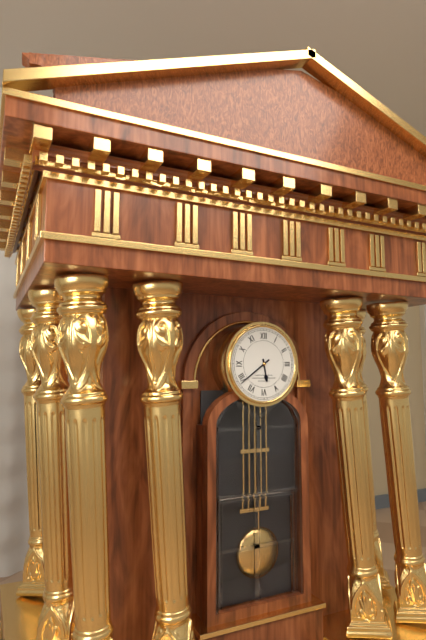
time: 5:39
